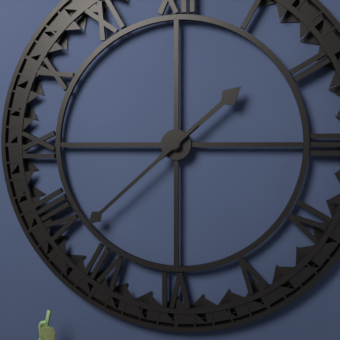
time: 1:38
